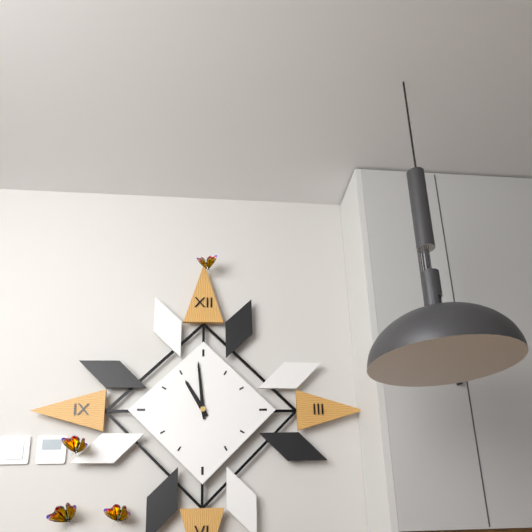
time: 10:59
